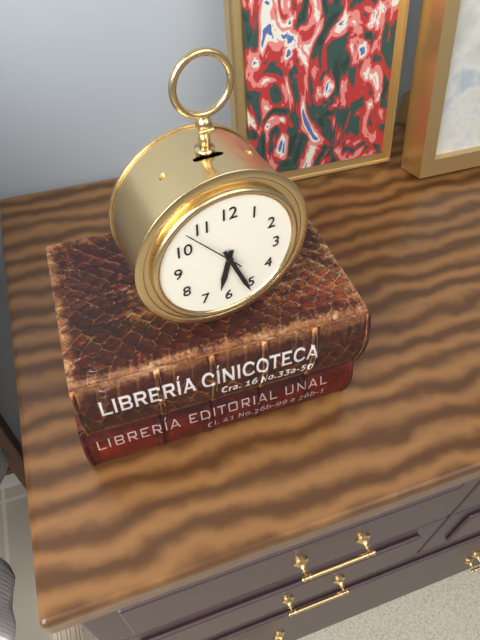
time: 6:26:53
